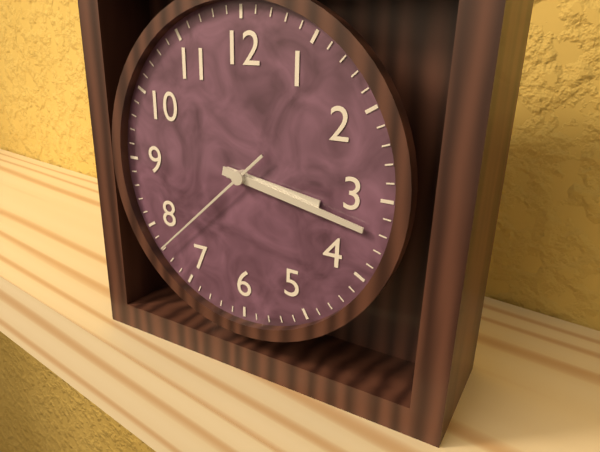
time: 3:17:38
